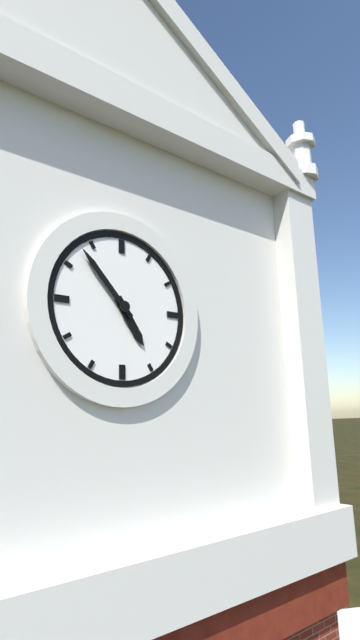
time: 4:53
